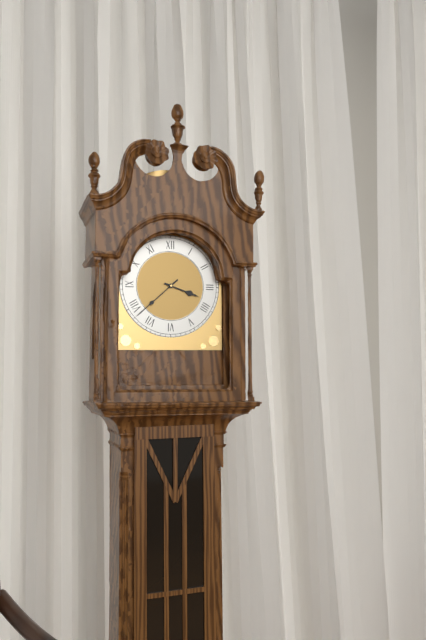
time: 3:38
